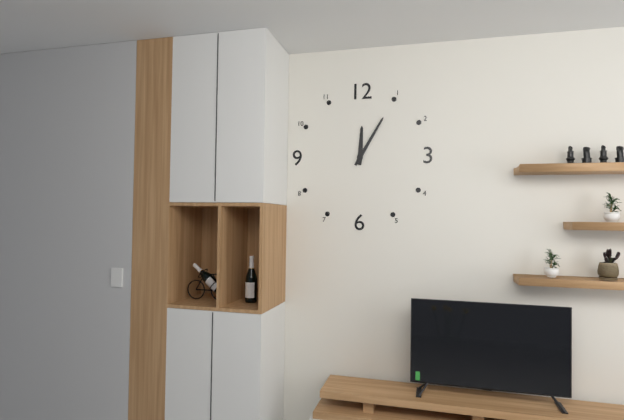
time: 12:05
